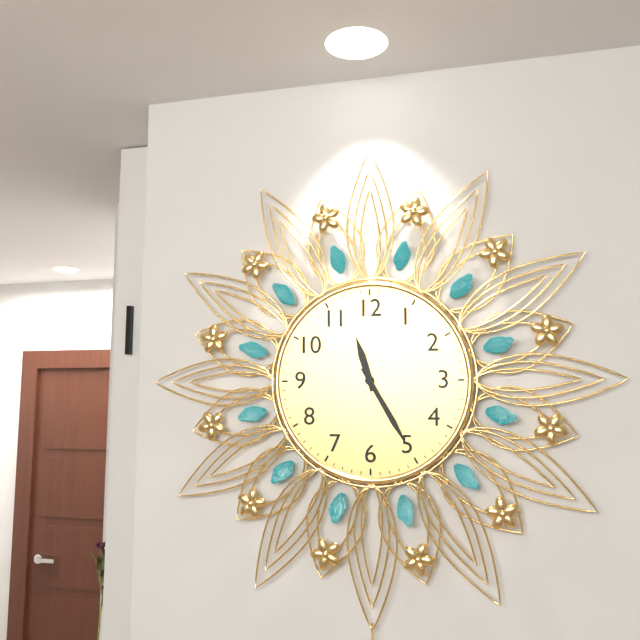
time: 11:25
